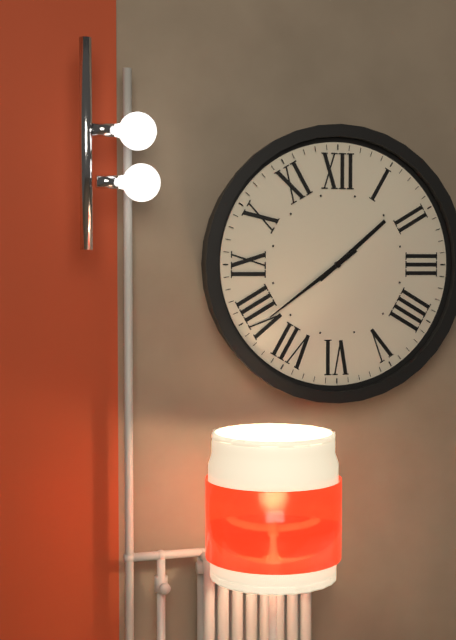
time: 1:39
